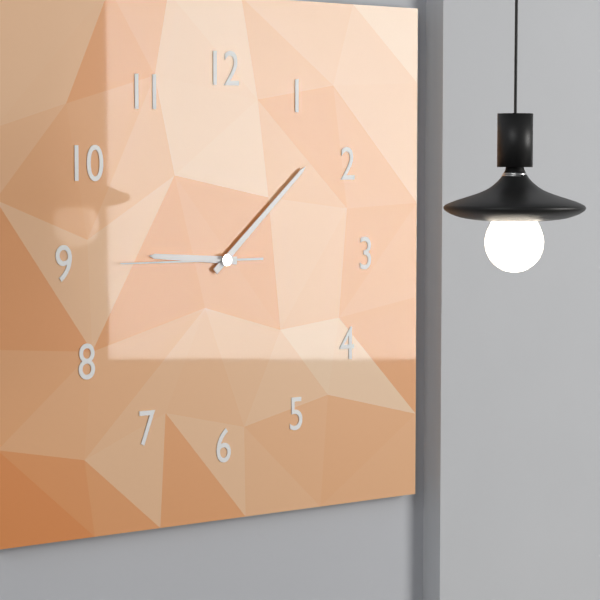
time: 9:08:45
